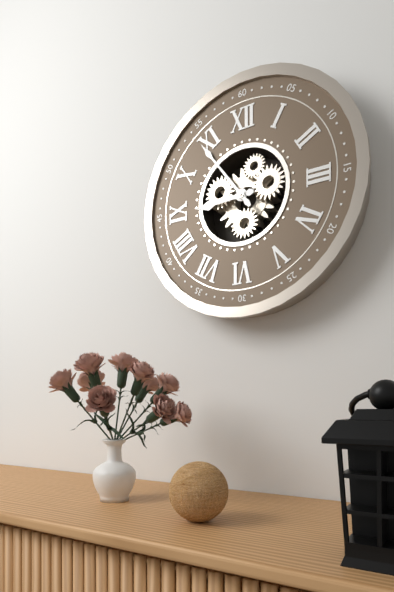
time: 8:54
